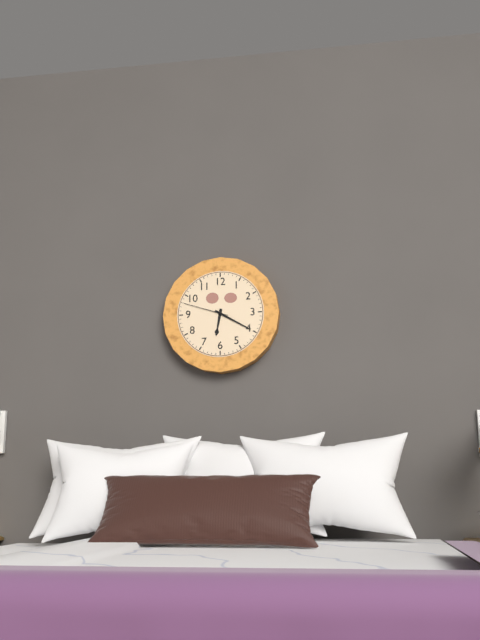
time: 6:20
